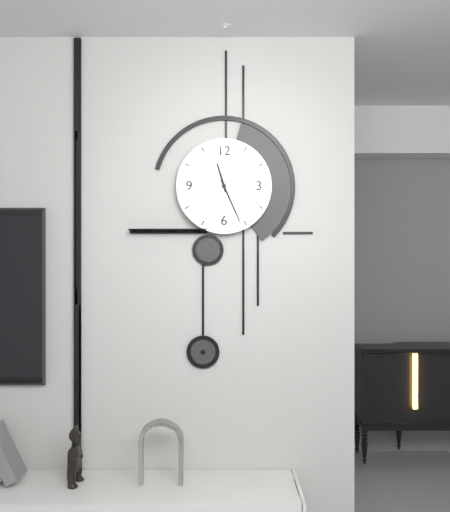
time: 11:26
